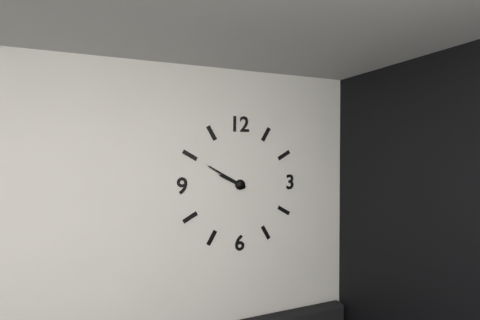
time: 9:50
